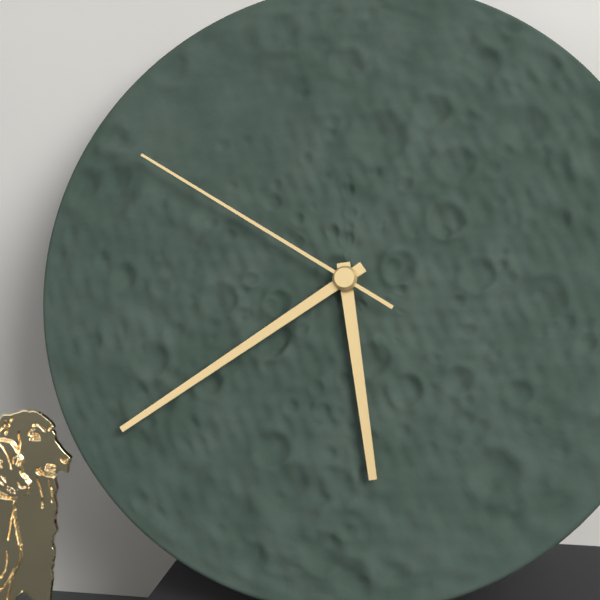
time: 5:39:50
